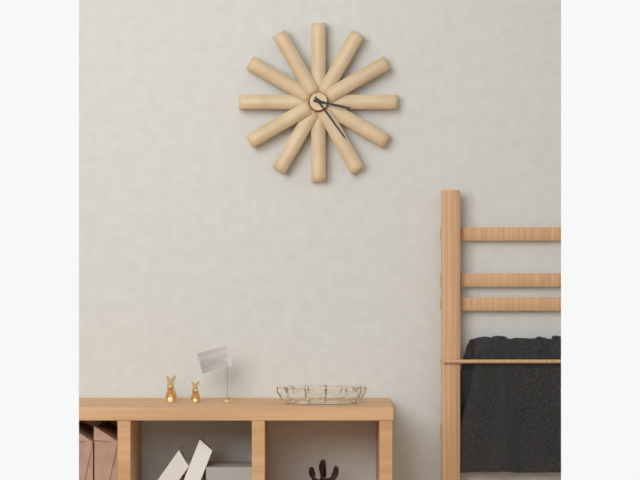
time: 3:24
